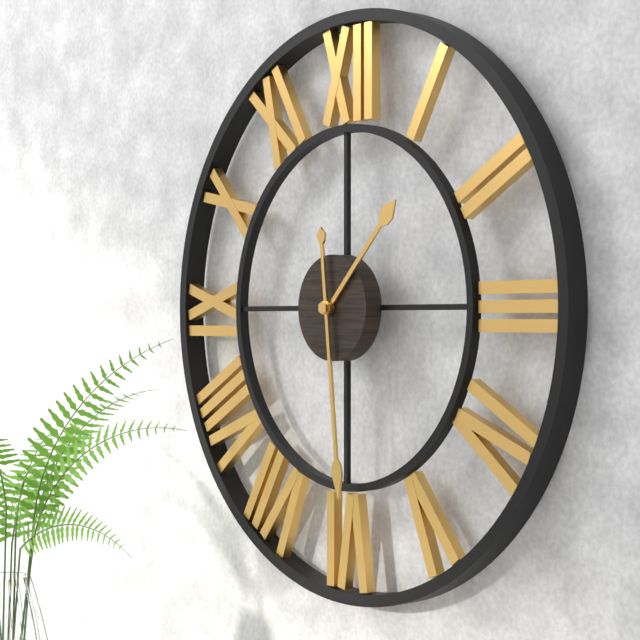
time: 1:29
